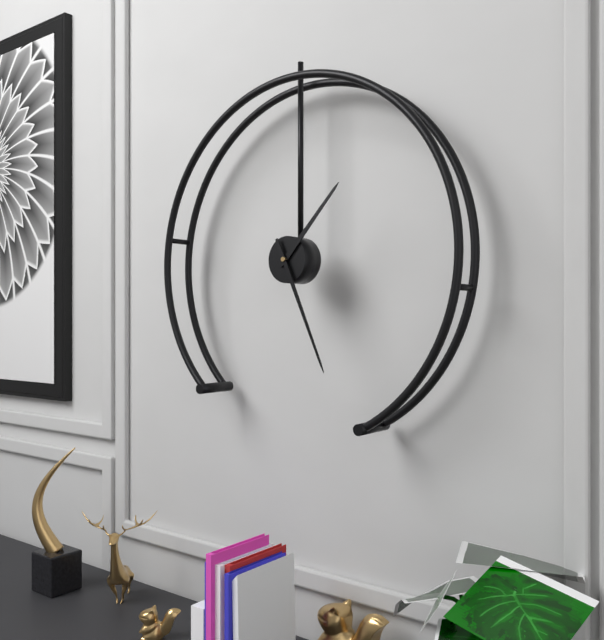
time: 1:26
